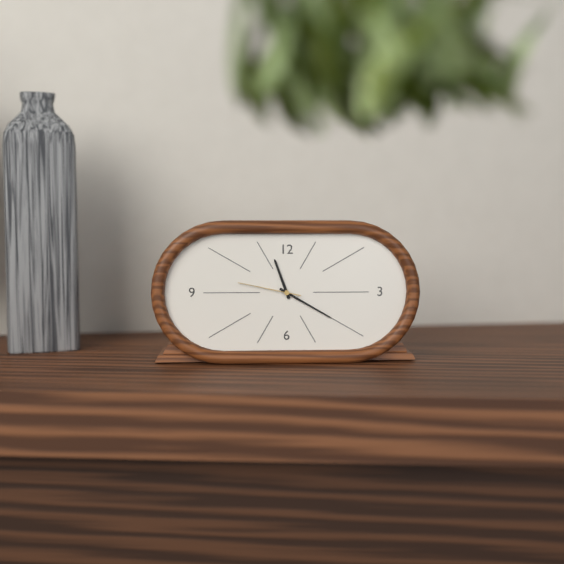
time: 11:20:47
